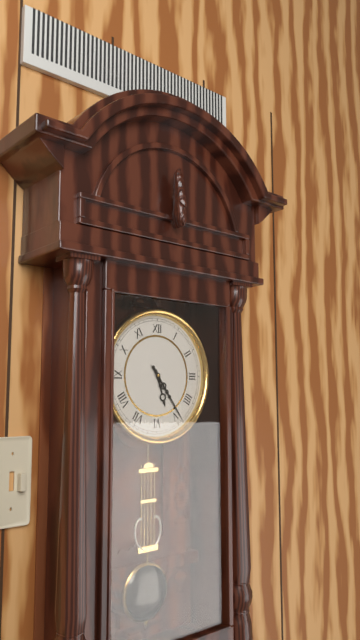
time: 5:24
